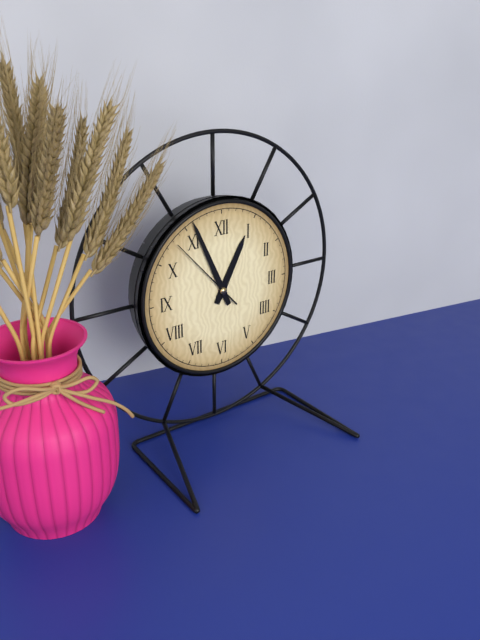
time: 12:56:53
